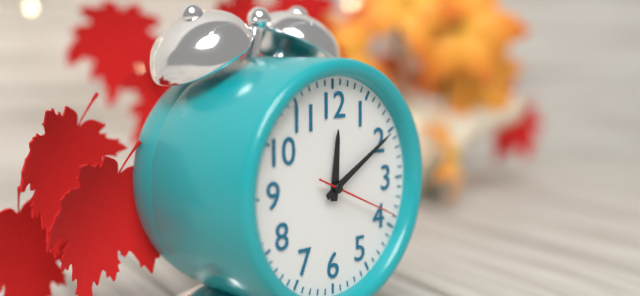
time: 12:10:19
